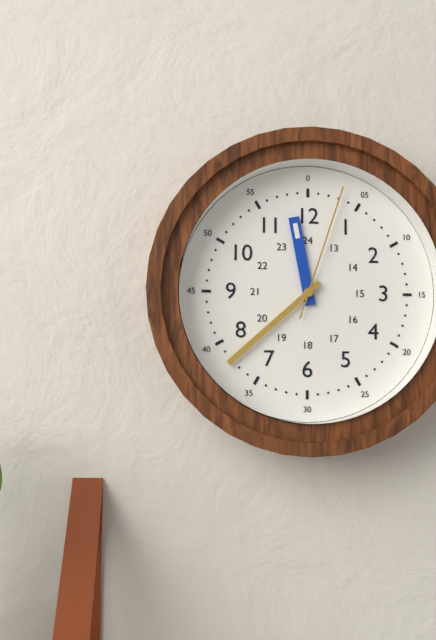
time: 11:38:03
